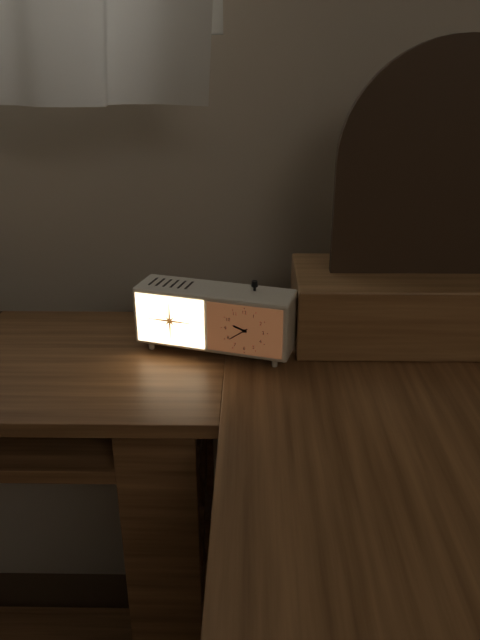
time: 9:39
